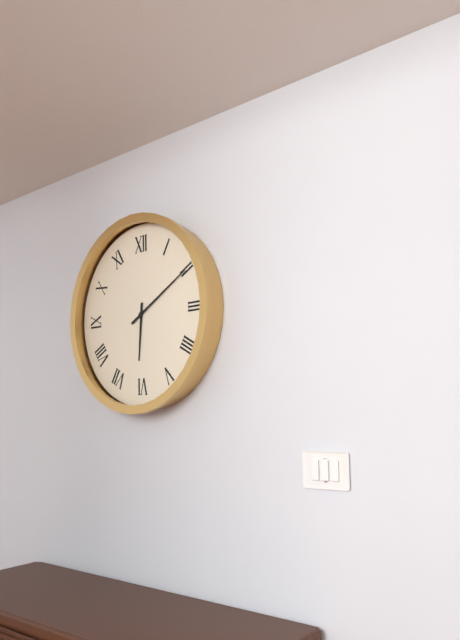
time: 6:10
